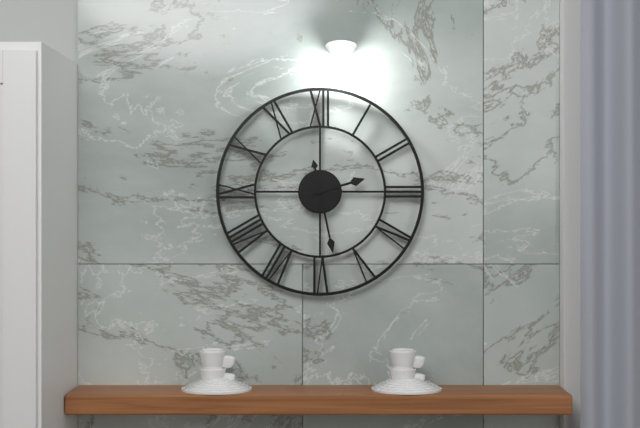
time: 2:28
